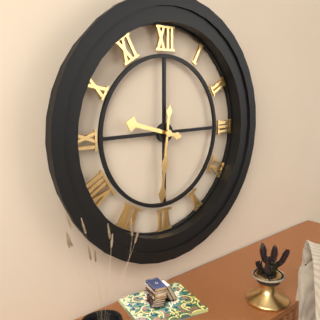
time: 9:31
